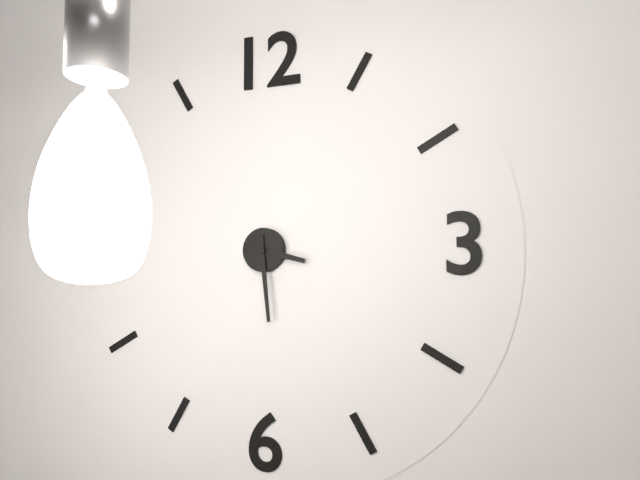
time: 3:29
